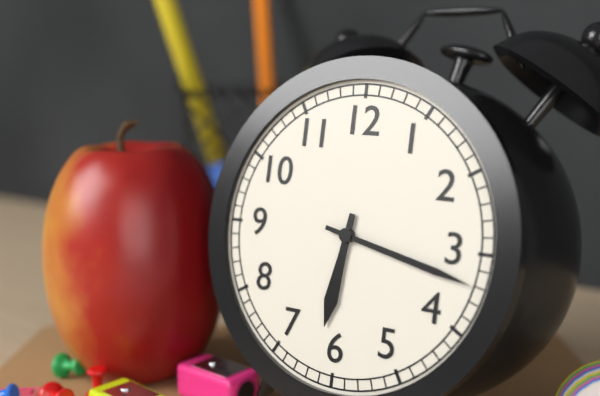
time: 6:17
